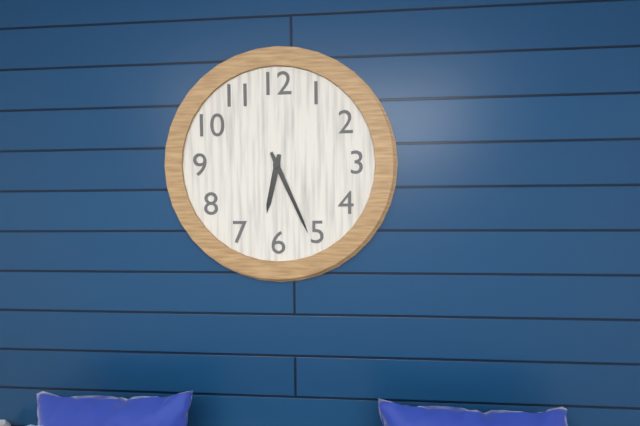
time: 6:26
